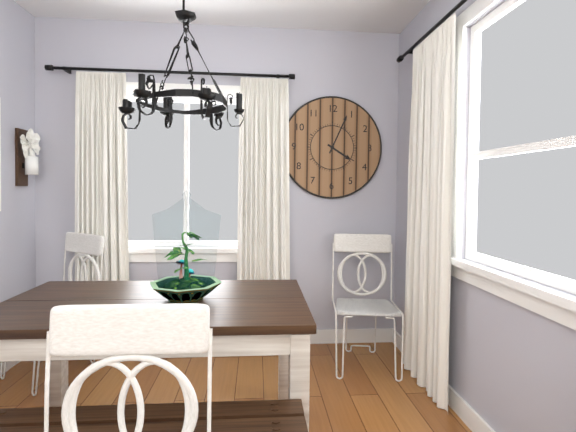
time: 4:04
